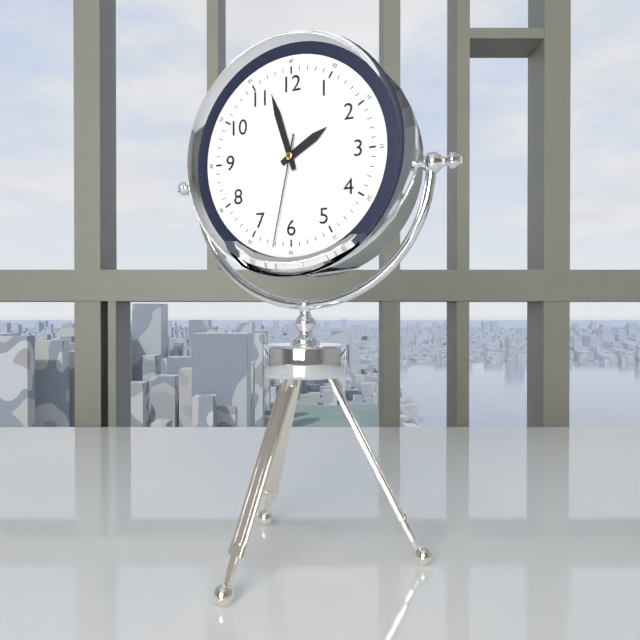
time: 1:57:32
